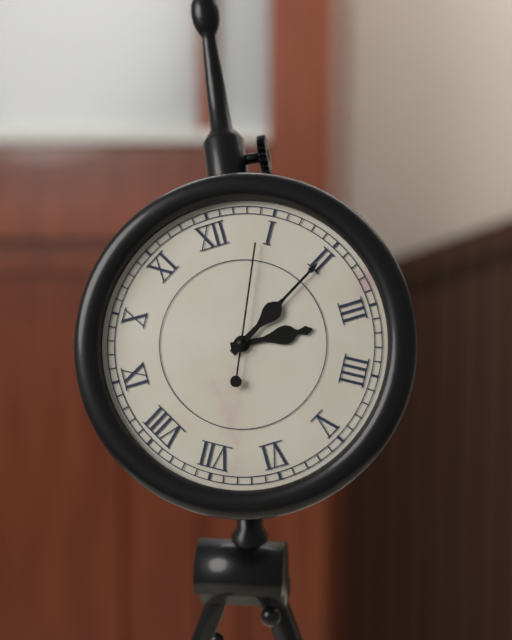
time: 3:10:04
